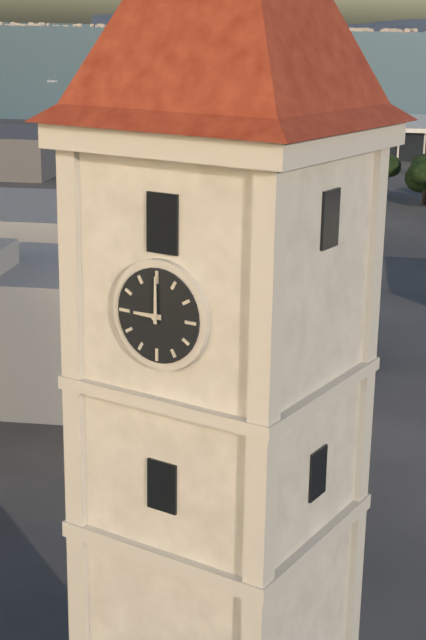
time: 9:00
